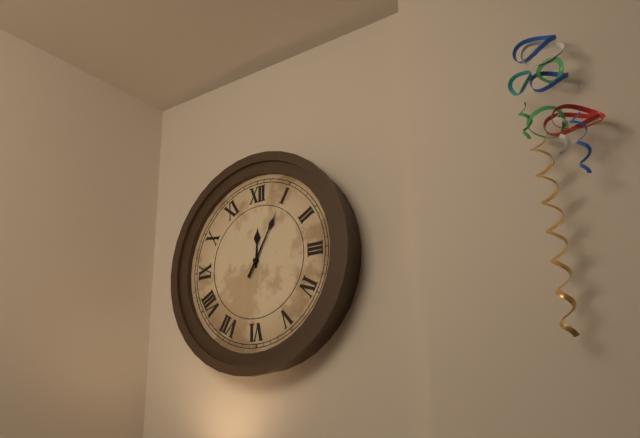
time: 12:05
